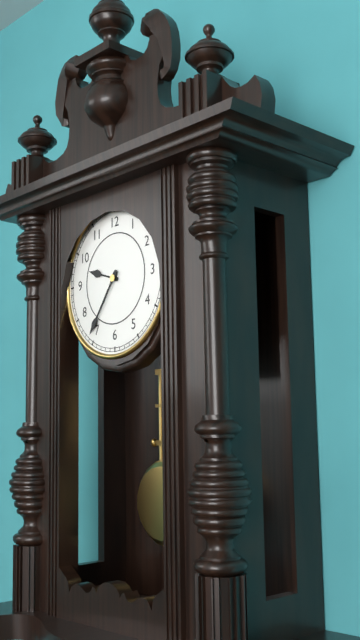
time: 9:36
